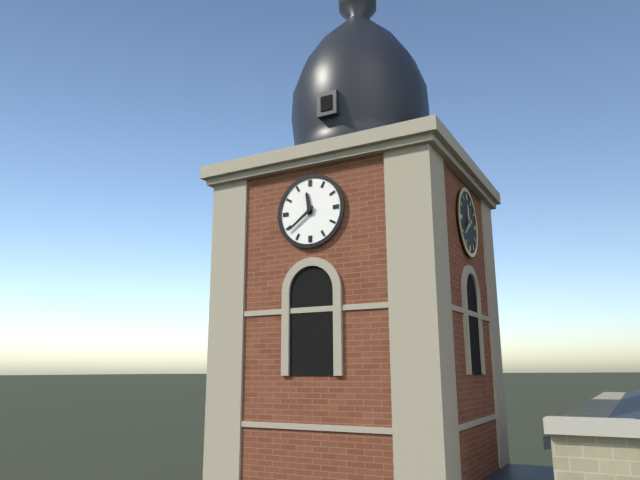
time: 11:39
